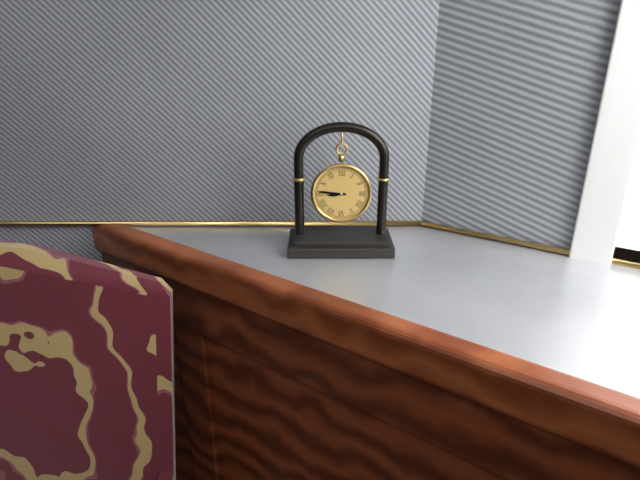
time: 8:46
